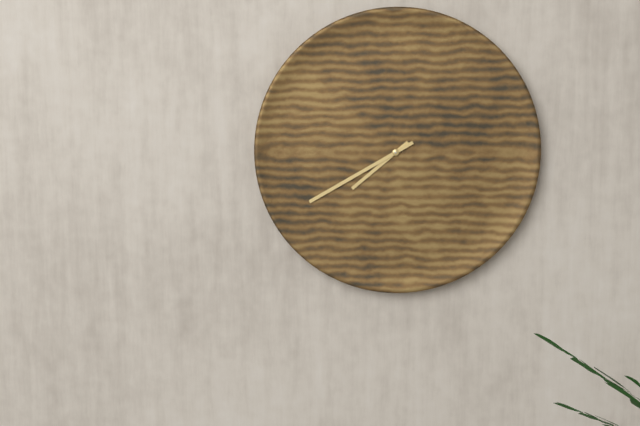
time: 7:40
